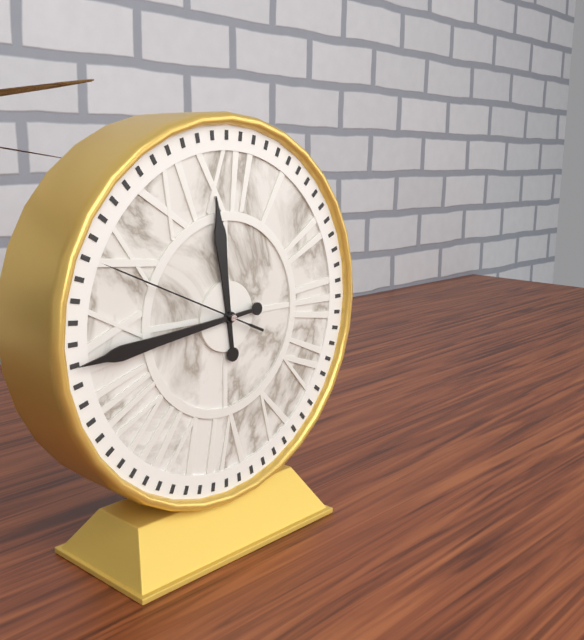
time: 11:44:49
